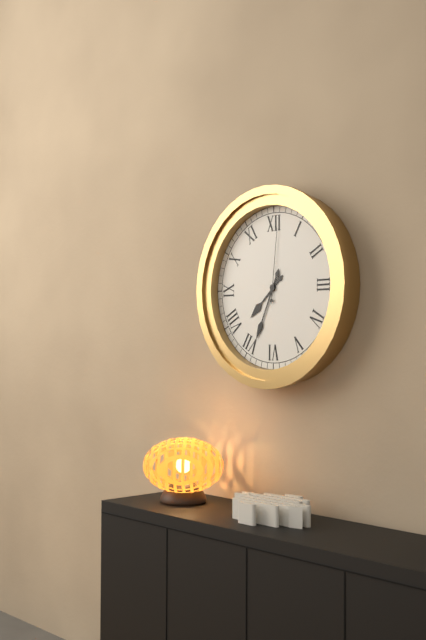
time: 7:34:01
